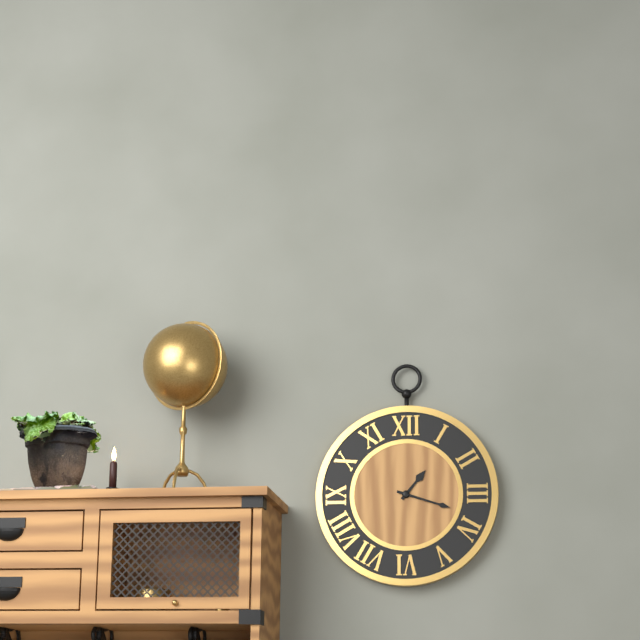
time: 1:18
